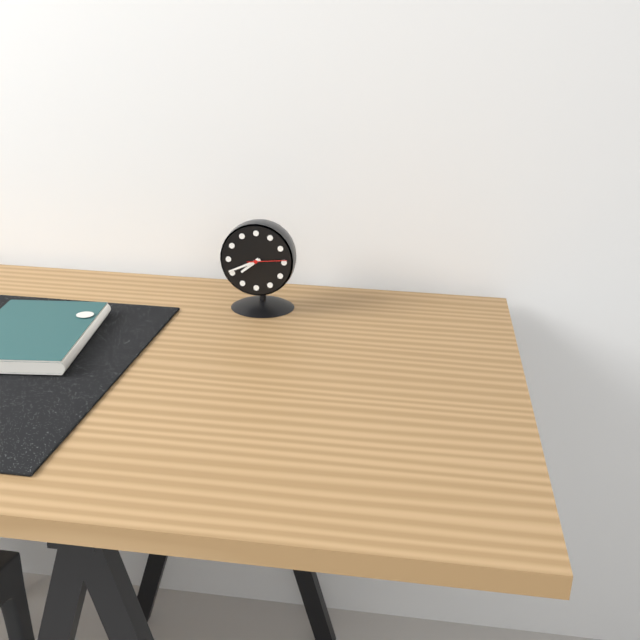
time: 7:41
